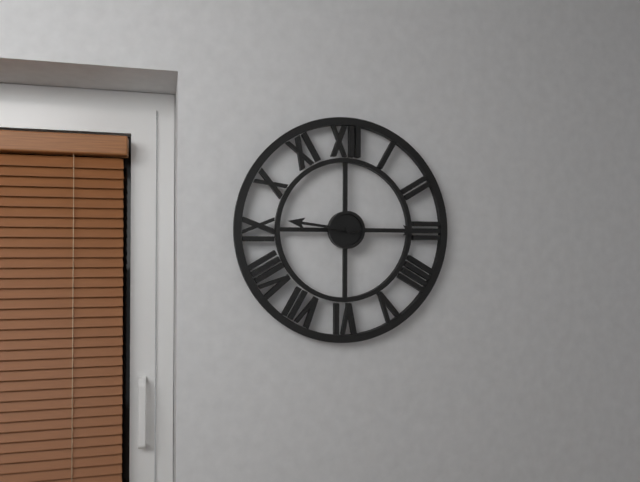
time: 9:15
